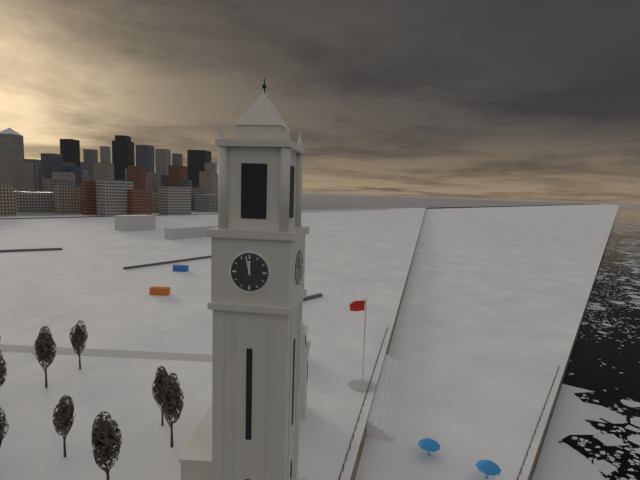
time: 11:58
